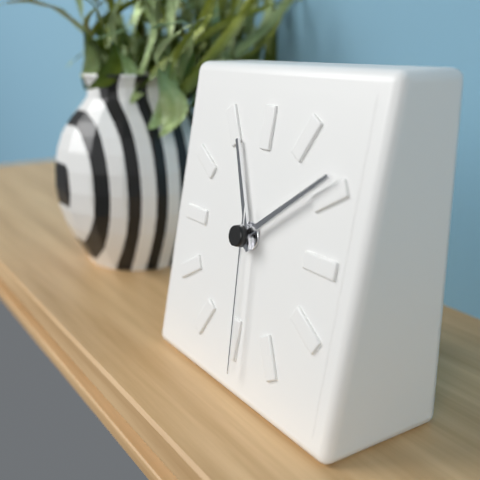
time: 11:09:29
